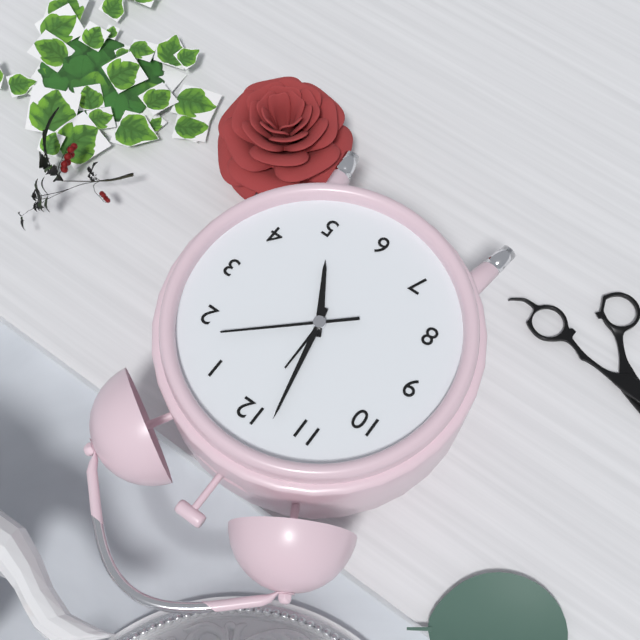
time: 4:58:08
